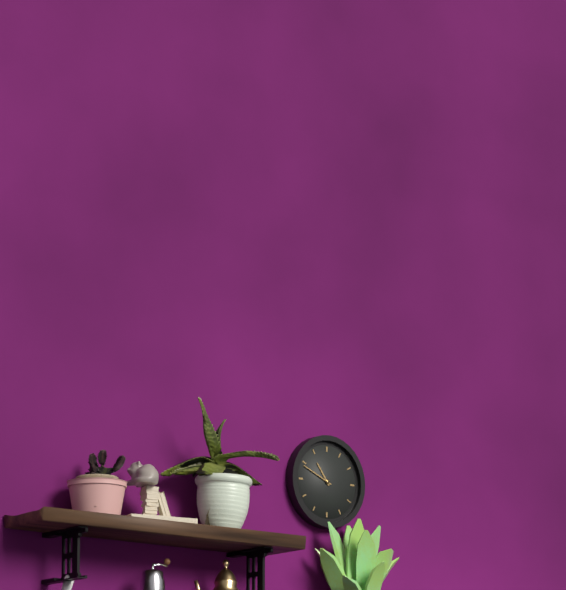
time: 10:49
